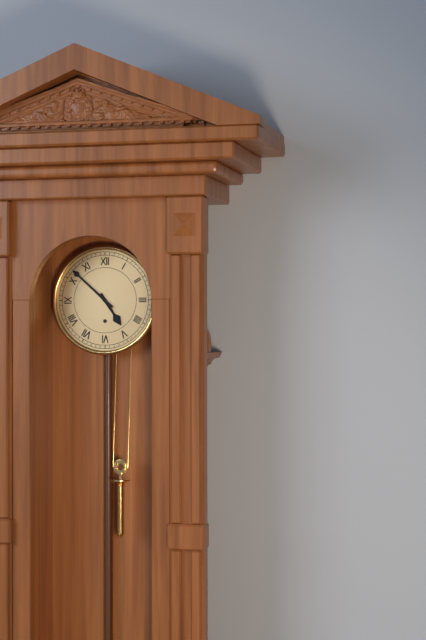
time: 4:52
